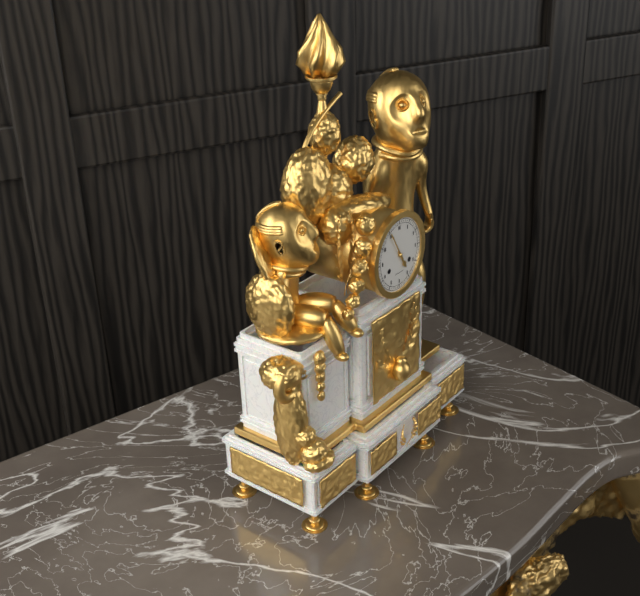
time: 4:55
